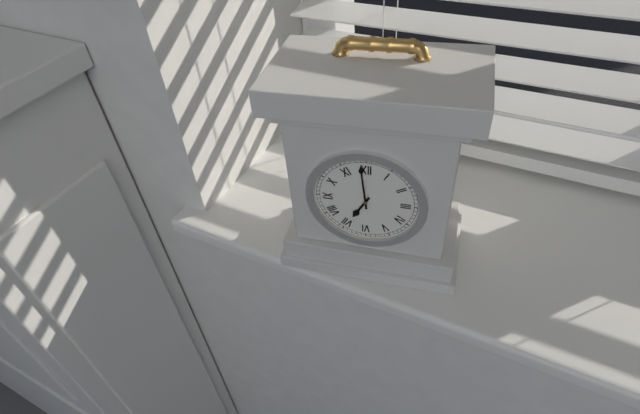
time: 6:59
